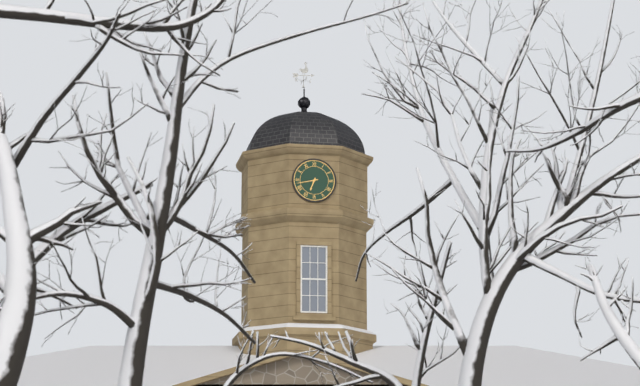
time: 6:43
